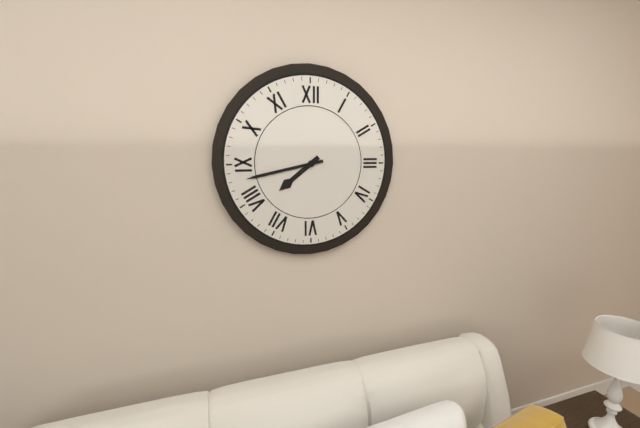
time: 7:43
